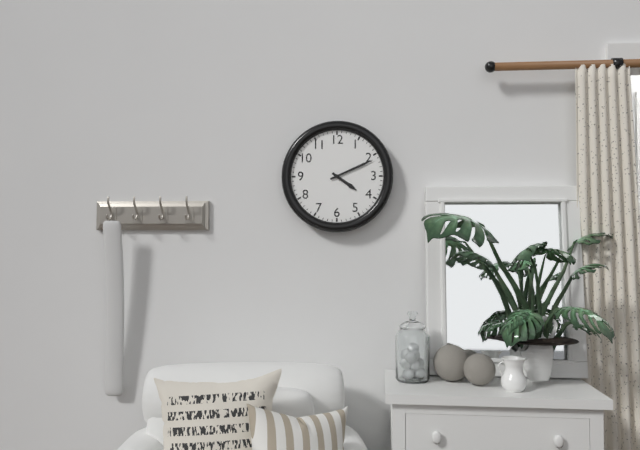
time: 4:11
